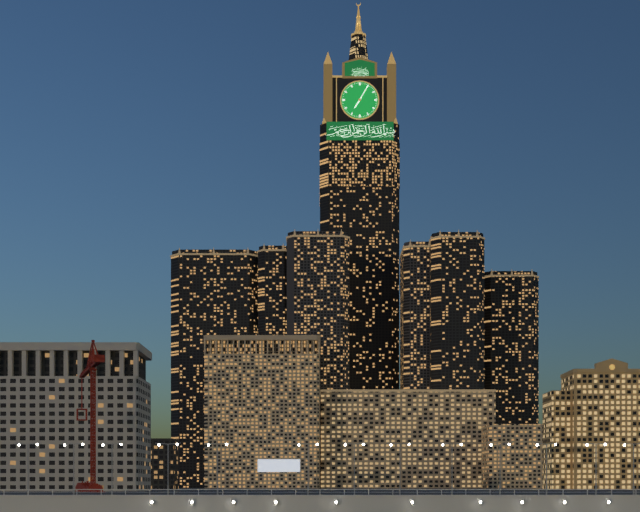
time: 7:05
